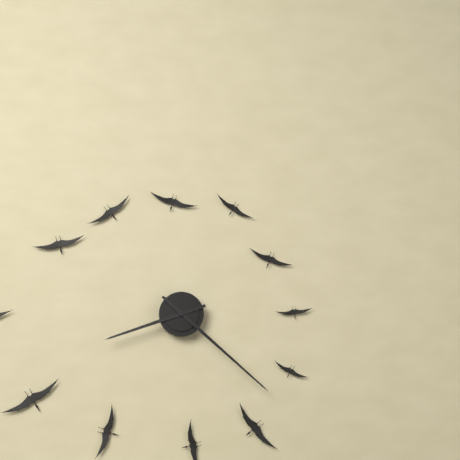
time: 8:22
